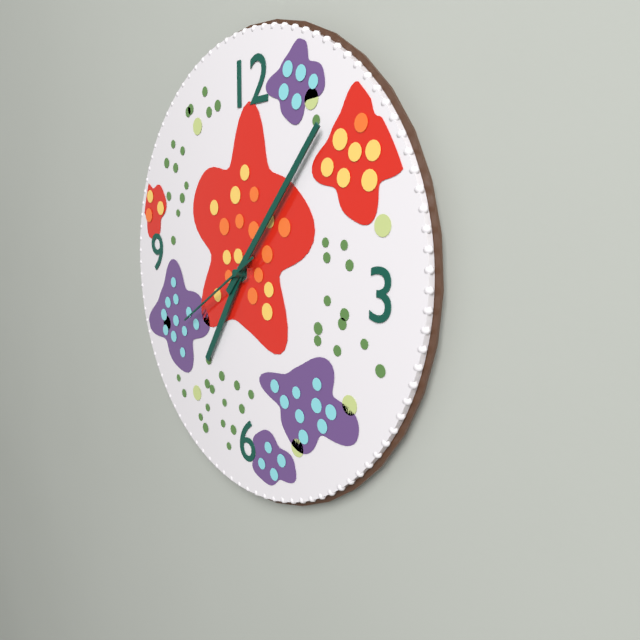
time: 7:07:40
